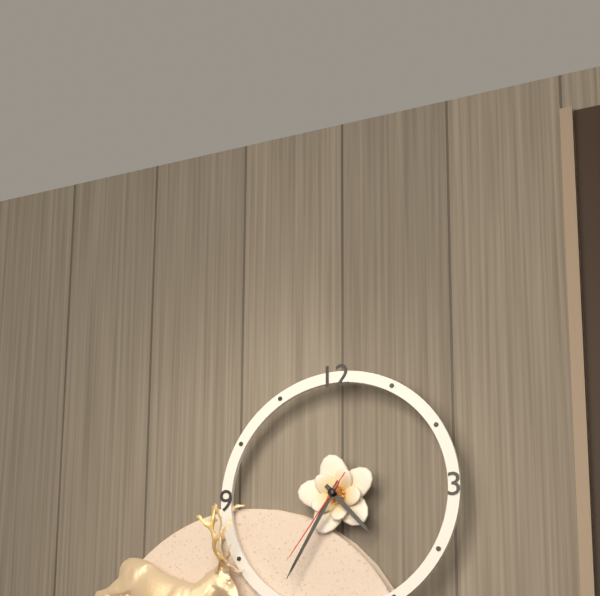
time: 4:35:36
